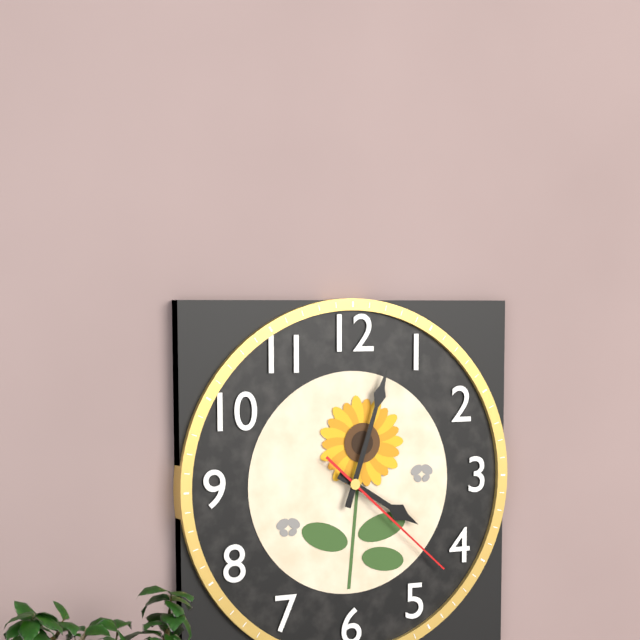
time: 4:03:22
